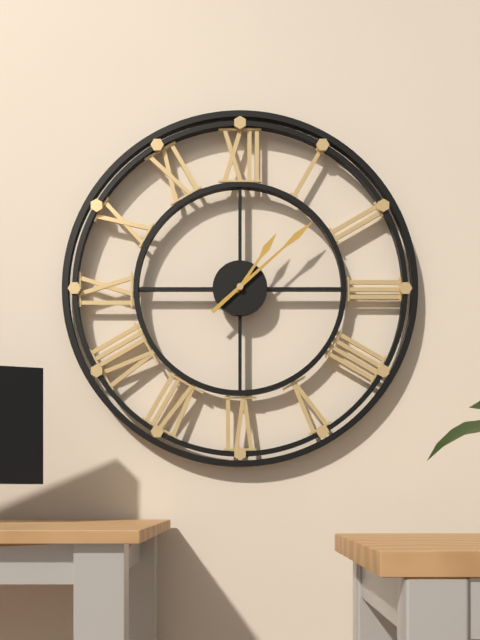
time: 1:08
